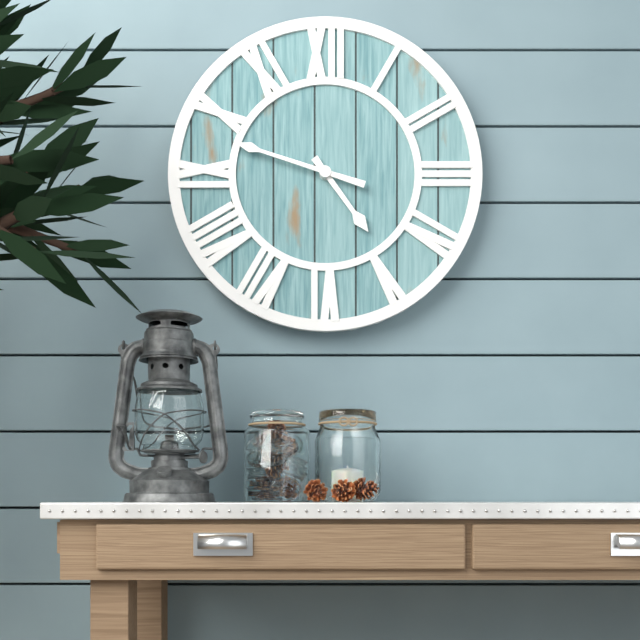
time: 4:48
